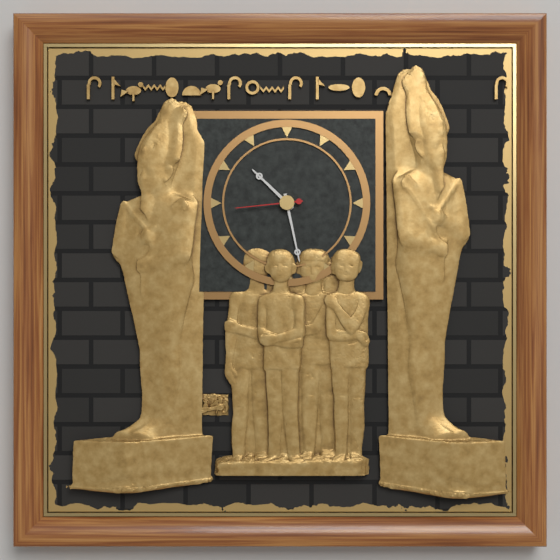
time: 10:28:44
